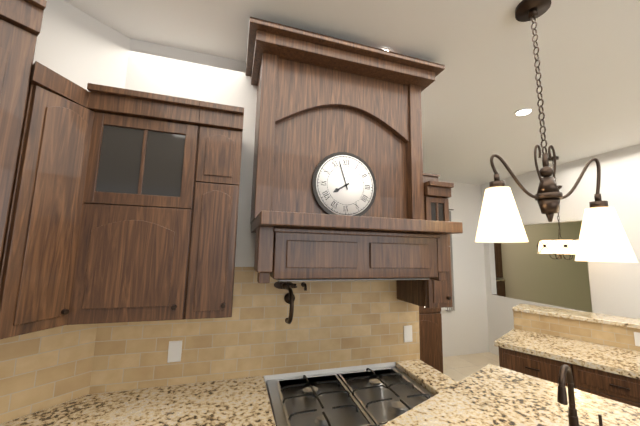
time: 7:57
